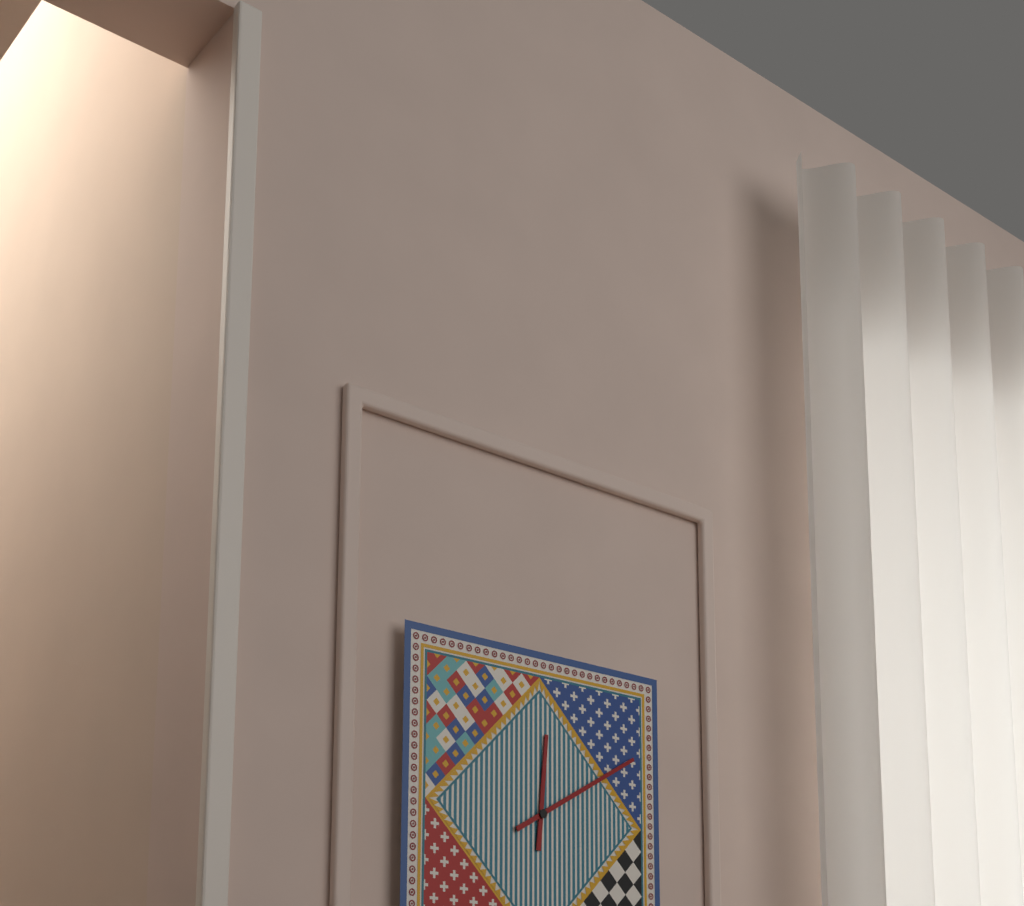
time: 12:10
